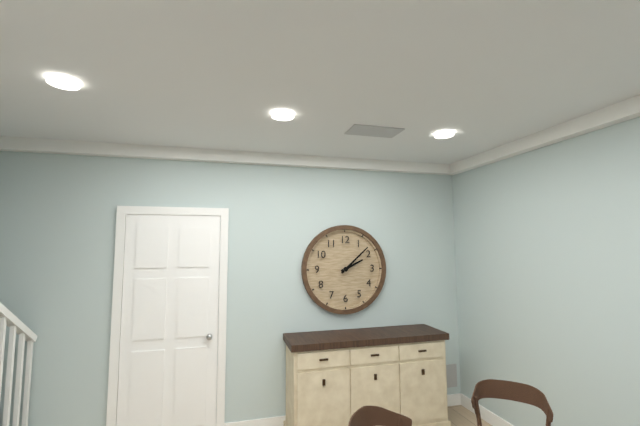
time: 2:08
